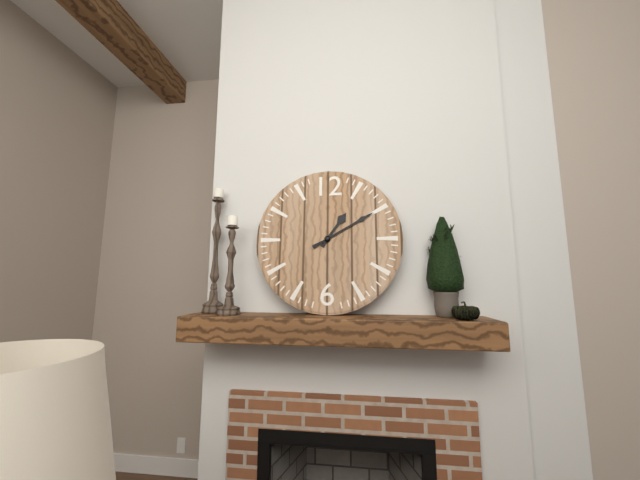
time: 1:10
